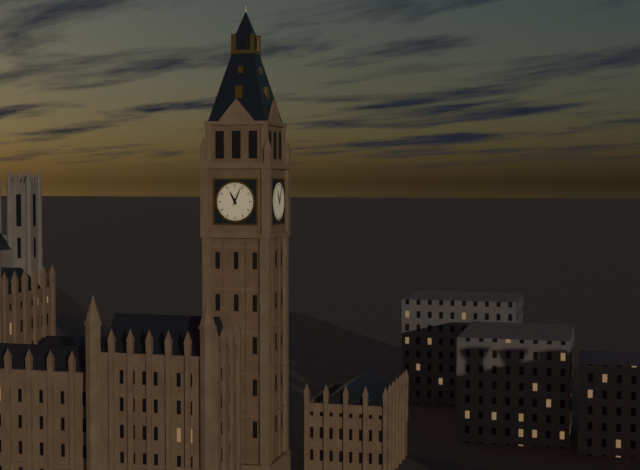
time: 11:04
